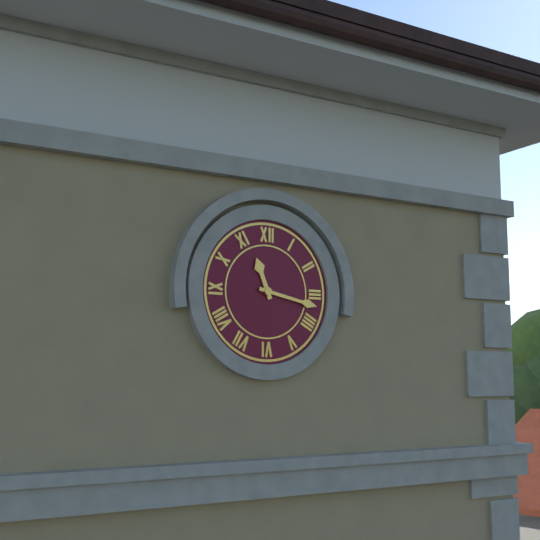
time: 11:17
